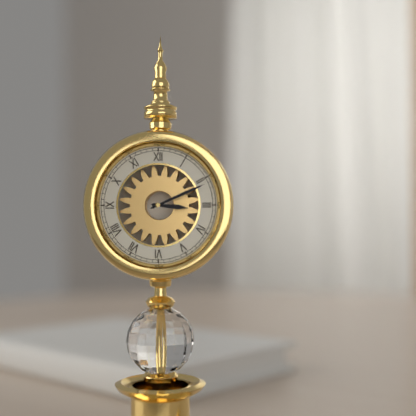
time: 3:11
